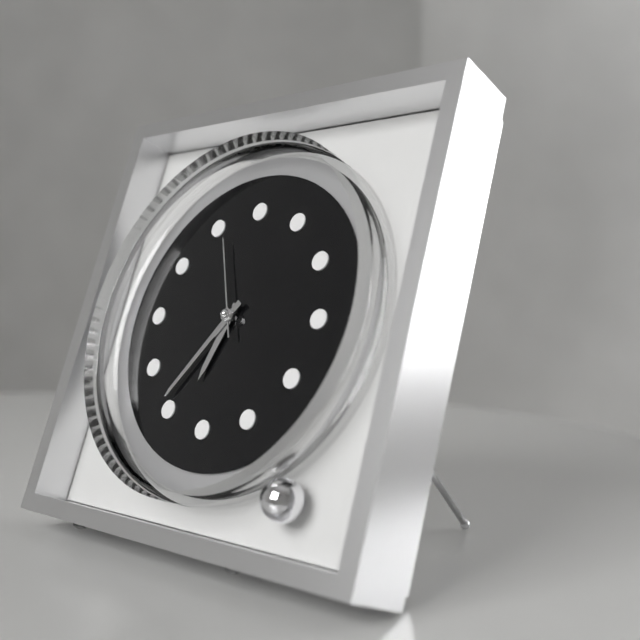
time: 6:36:56
